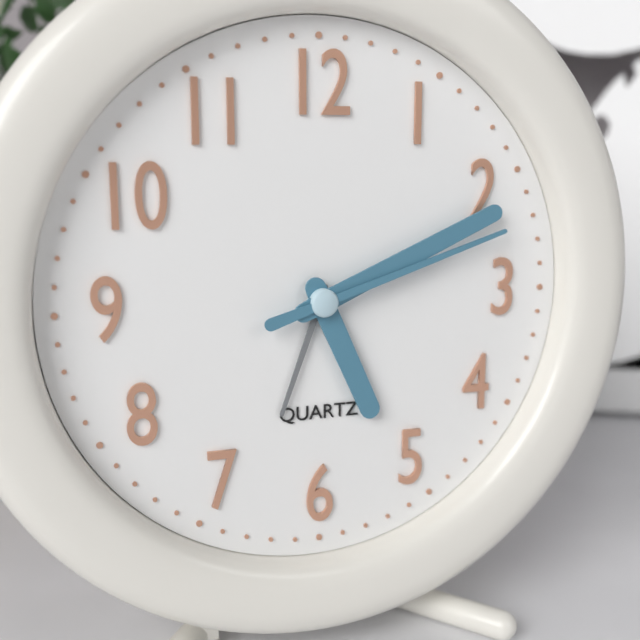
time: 5:11:12
